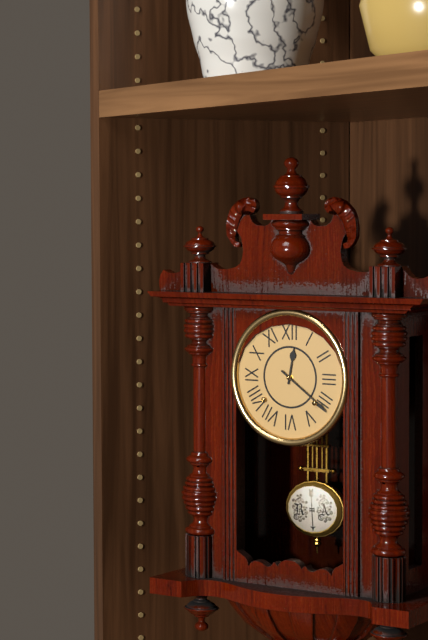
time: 12:21
